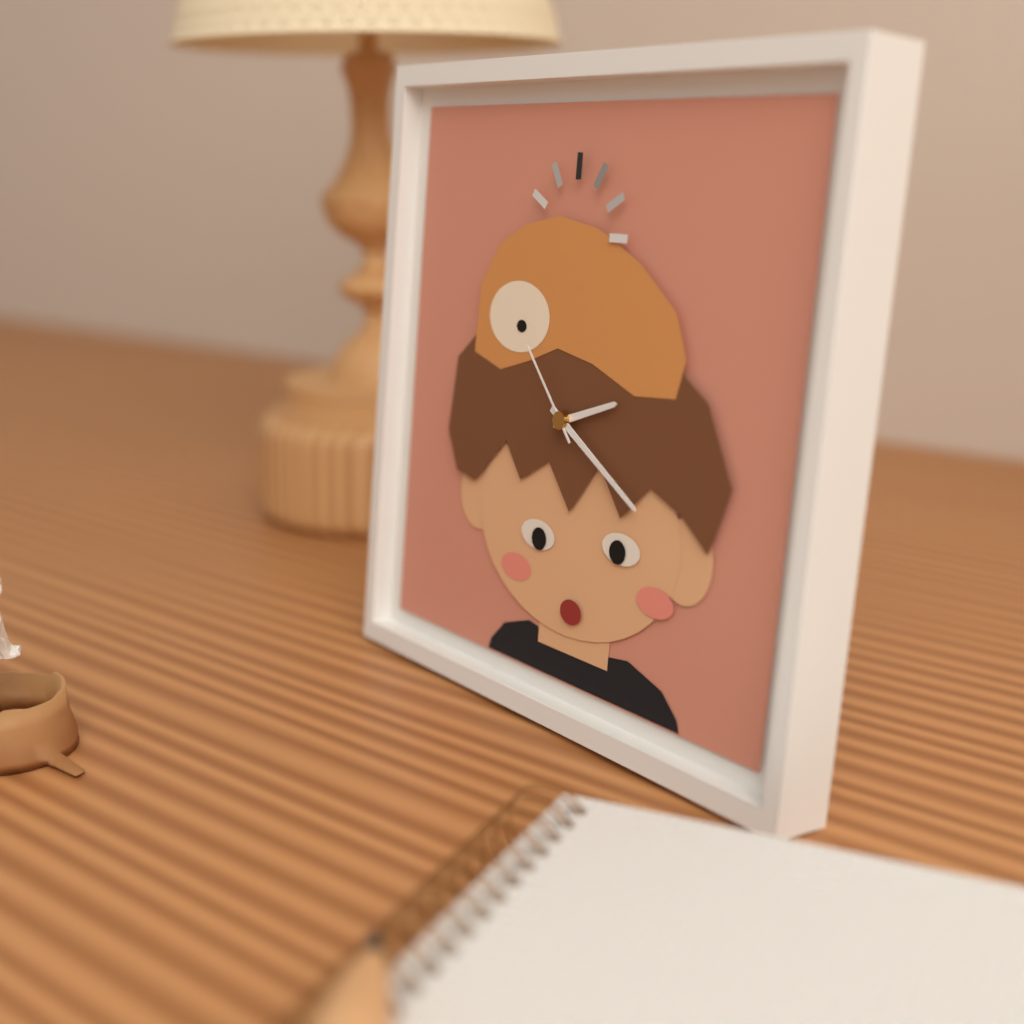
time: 2:20:53
